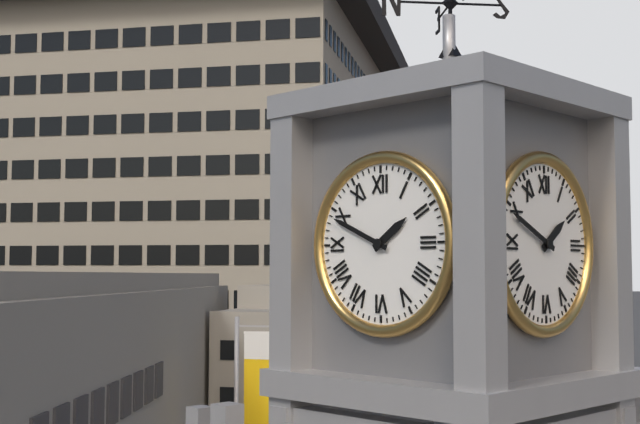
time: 1:49
